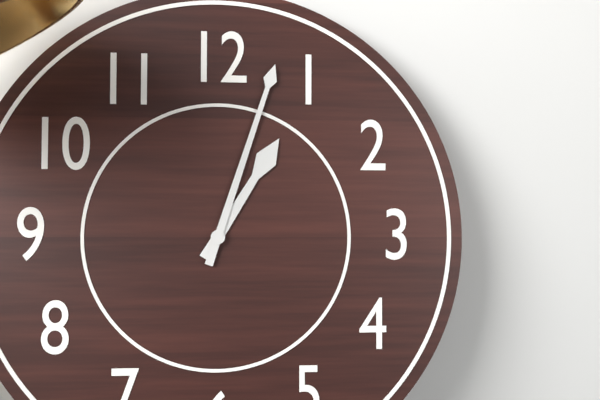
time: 1:03
